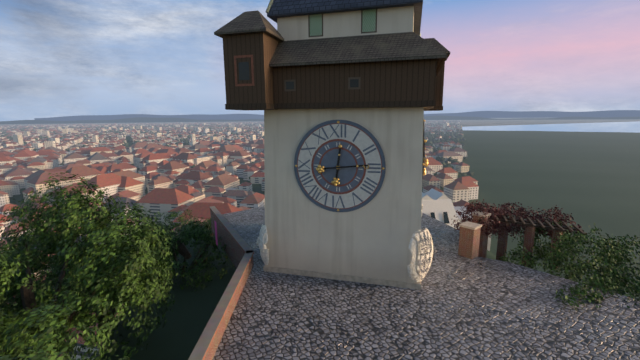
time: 12:14
